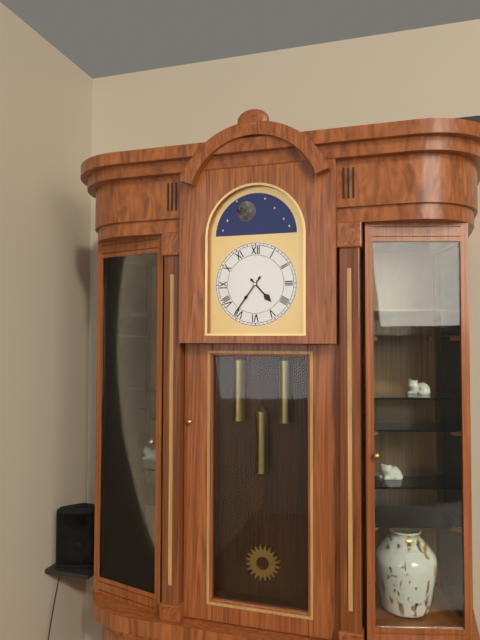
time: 4:36
